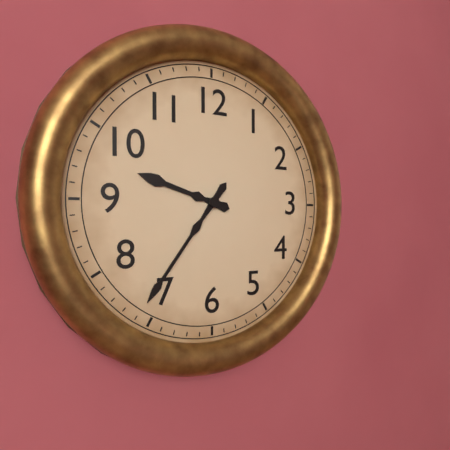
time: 9:36
